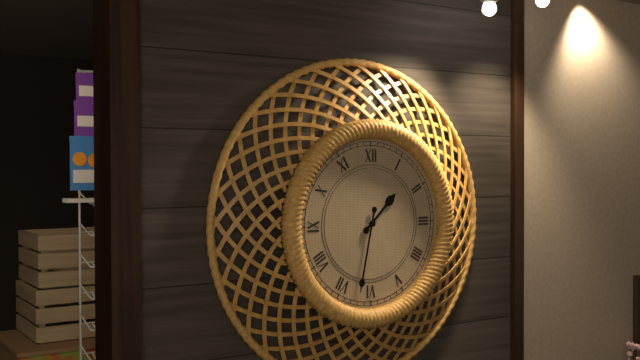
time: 1:32
